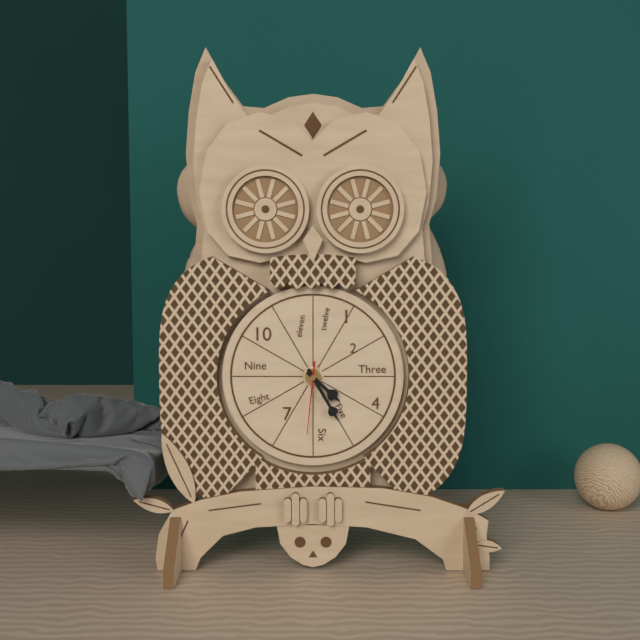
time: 4:25:31
